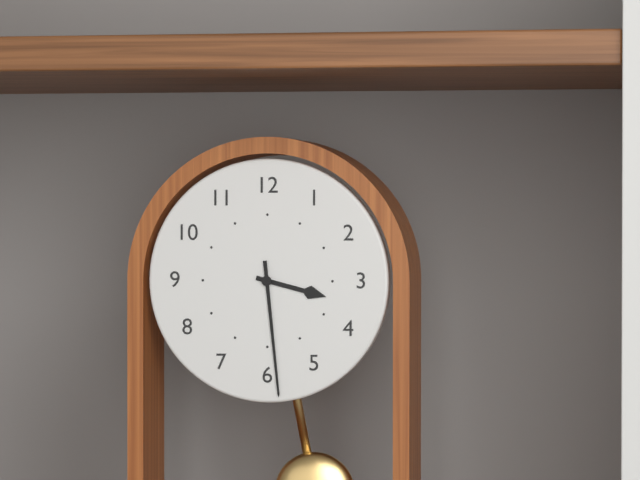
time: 3:29
